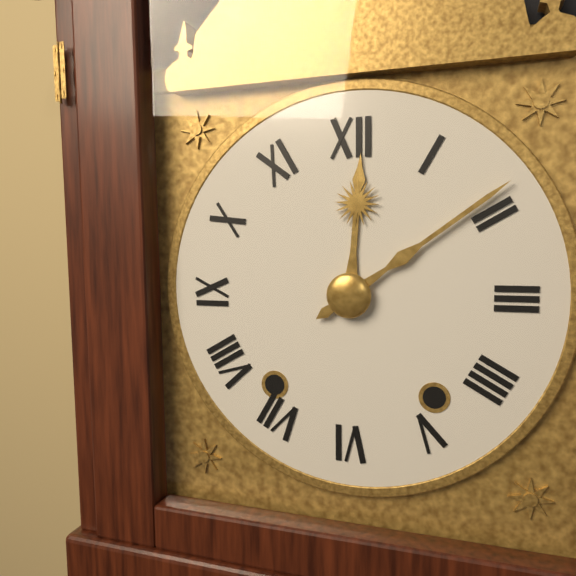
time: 12:09
